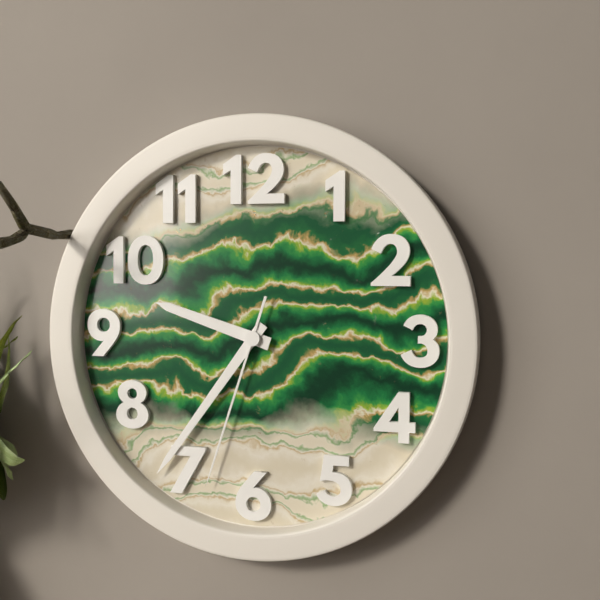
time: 9:36:33
